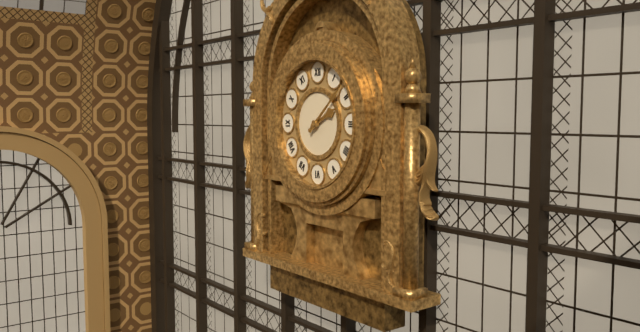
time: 2:08
